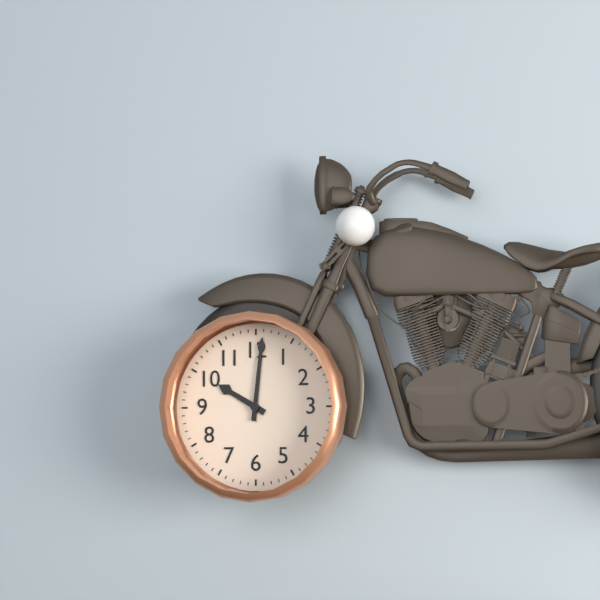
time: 10:01
